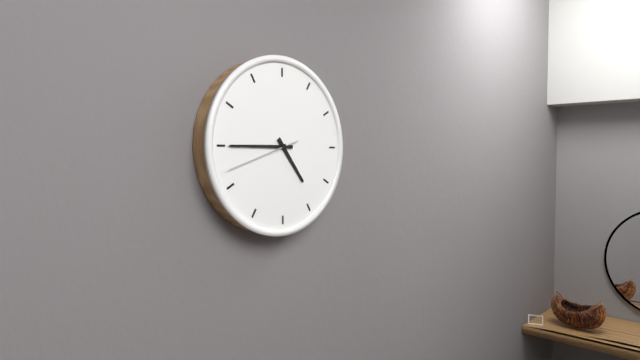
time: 4:45:42
